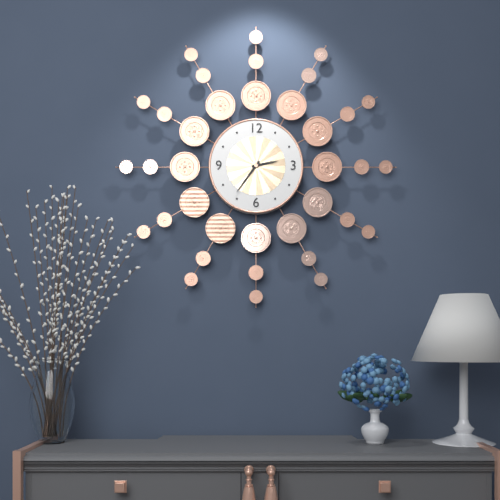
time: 2:36
